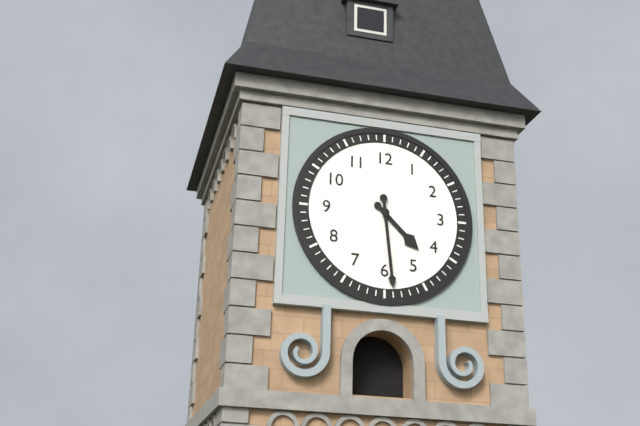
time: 4:29
